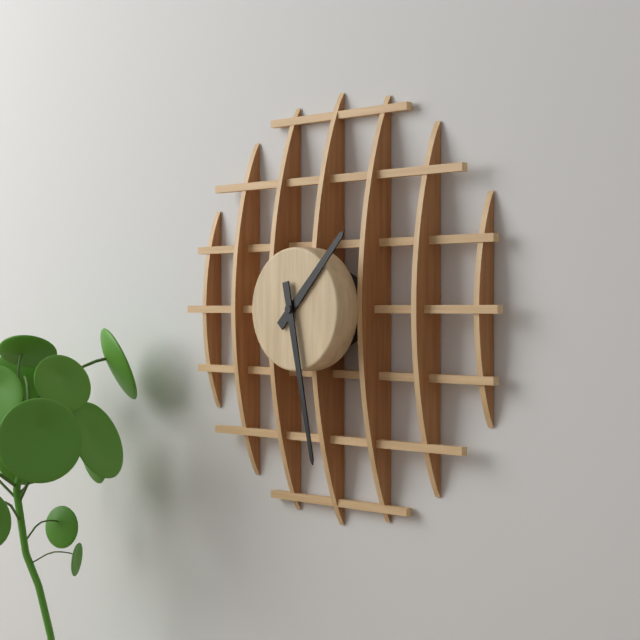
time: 1:28
